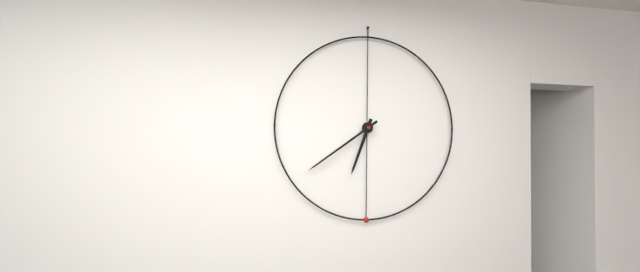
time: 6:39
